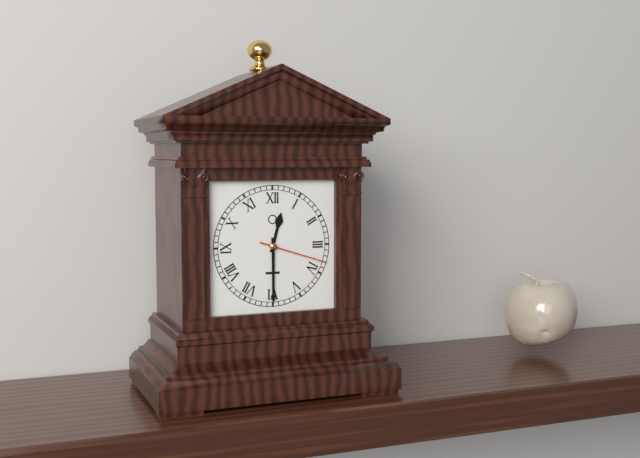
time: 12:30:18
